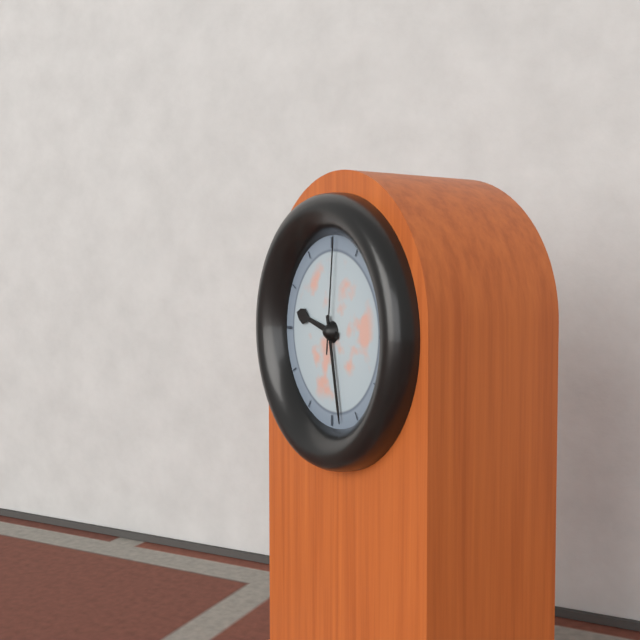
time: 9:28:01
